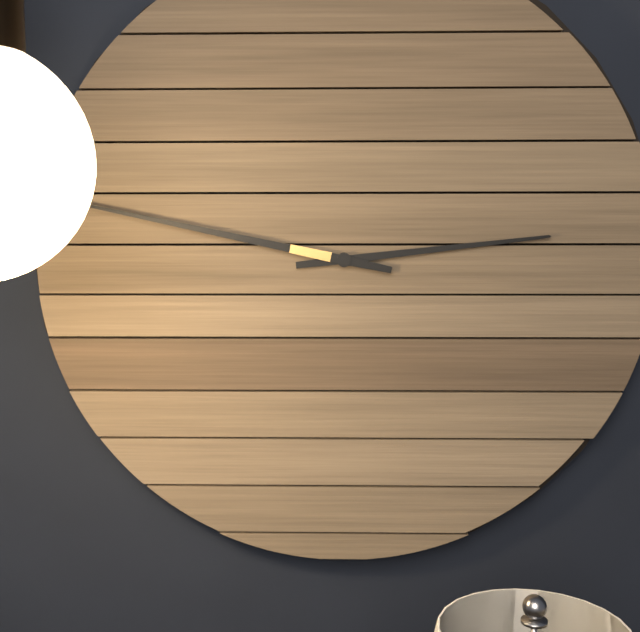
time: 2:47
